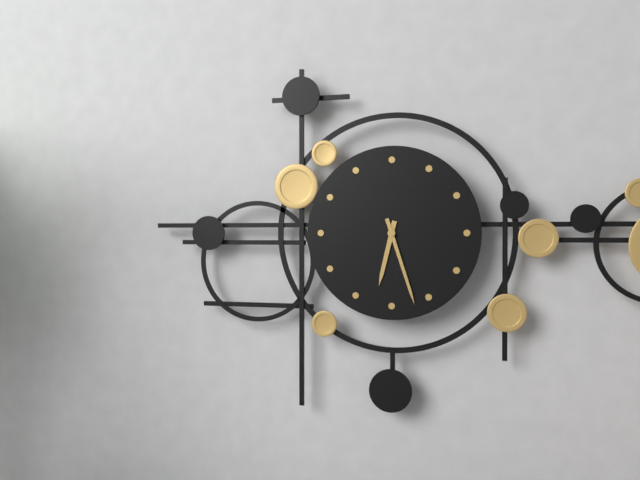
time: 6:27
